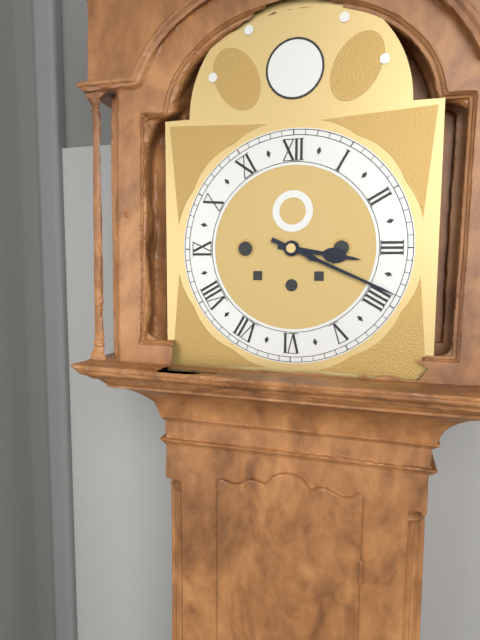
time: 3:19
